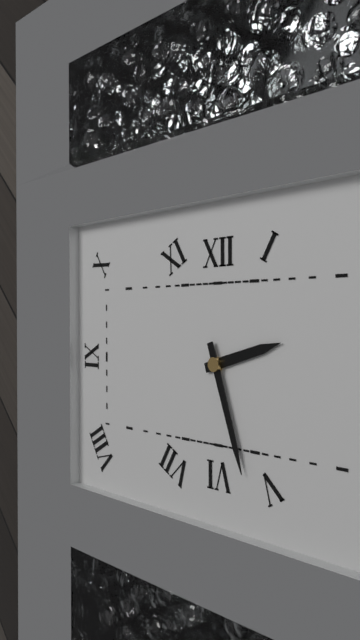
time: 2:27
